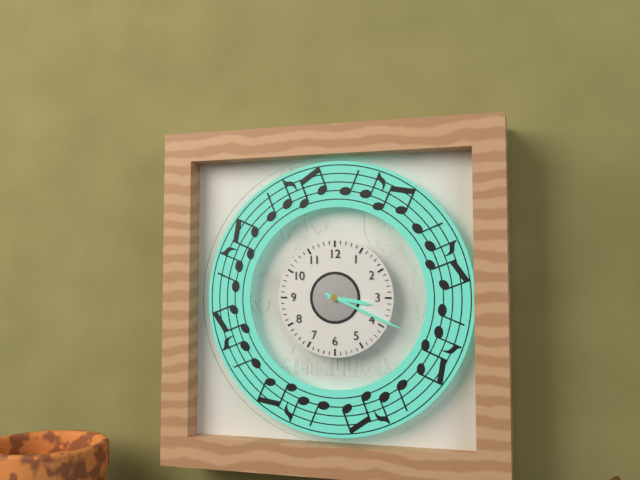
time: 3:19
